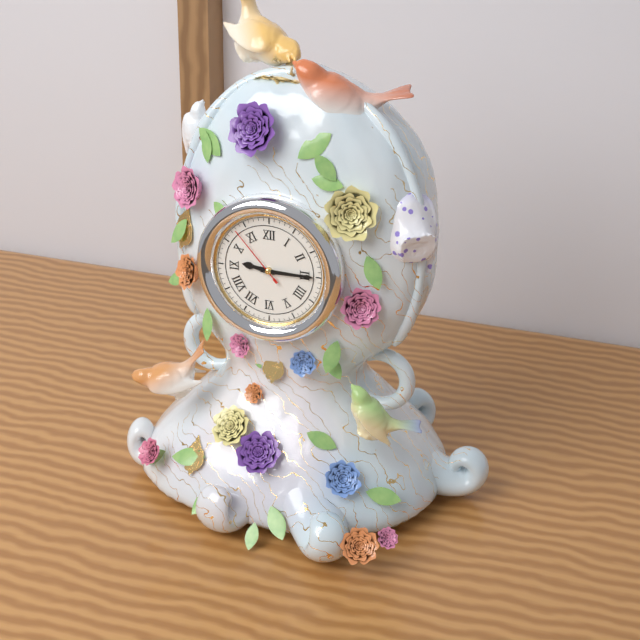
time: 9:15:53
